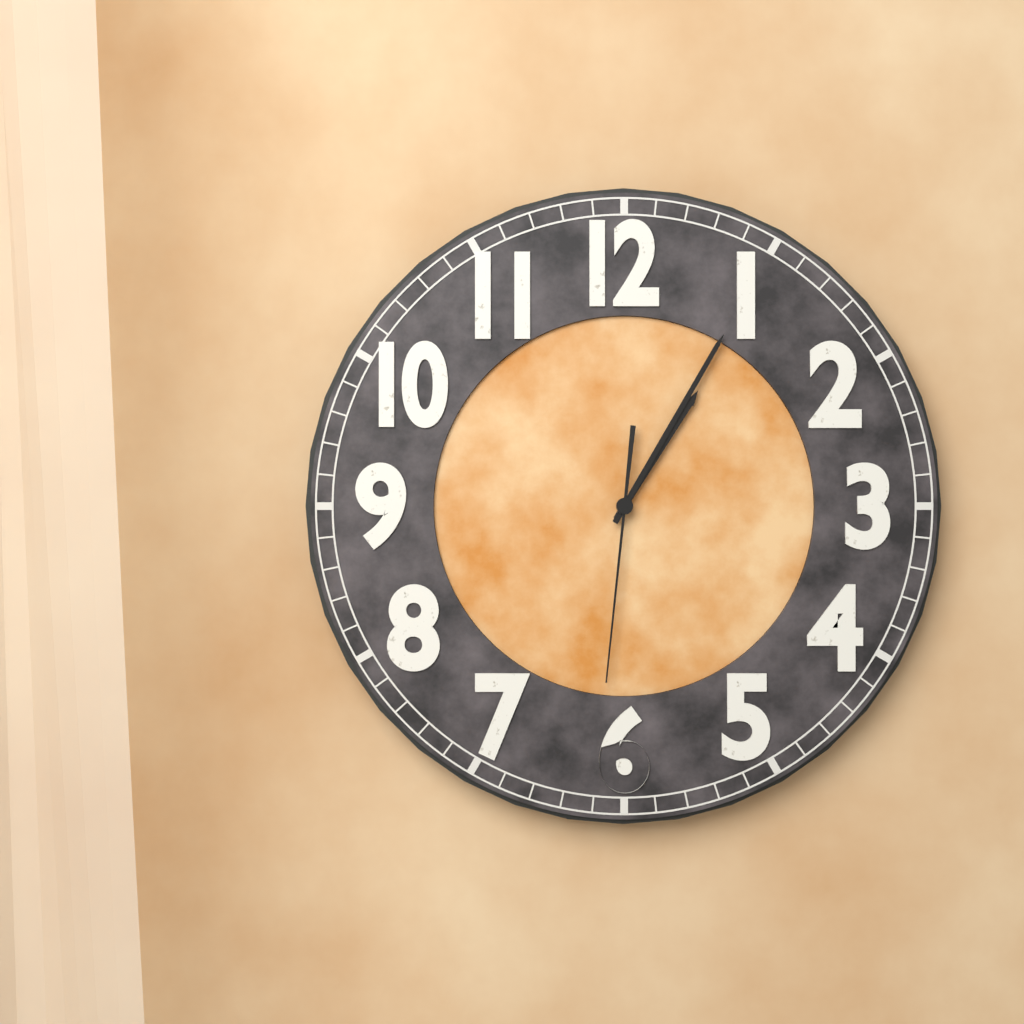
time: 1:05:31
